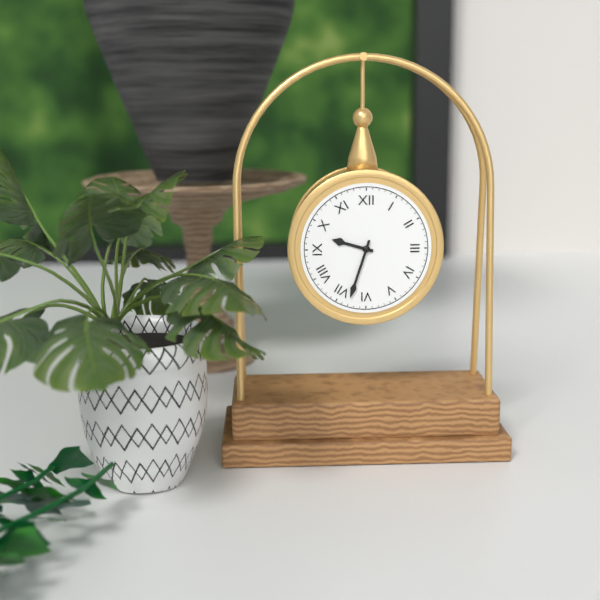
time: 9:33
